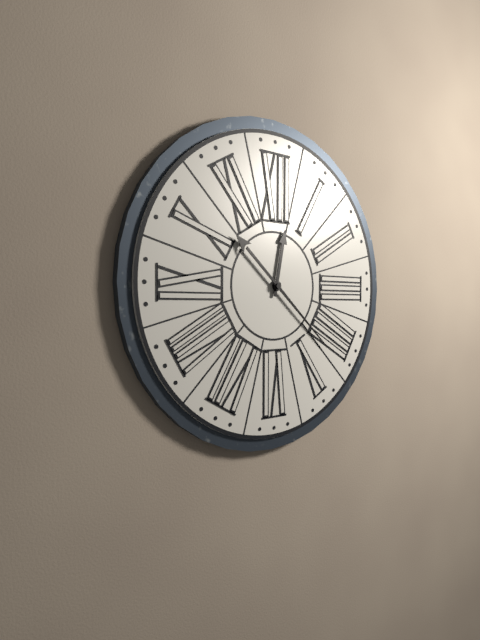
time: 12:22
